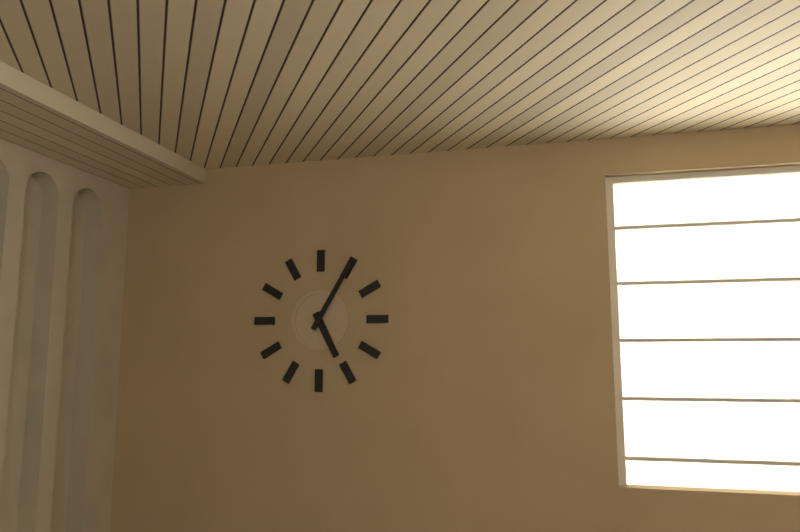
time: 5:05
